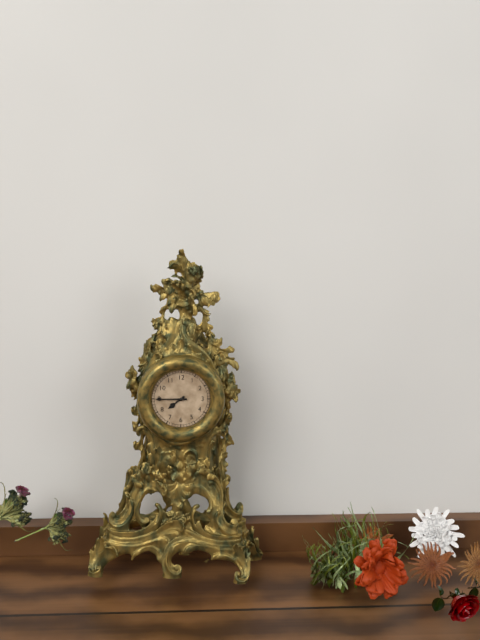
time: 7:45
